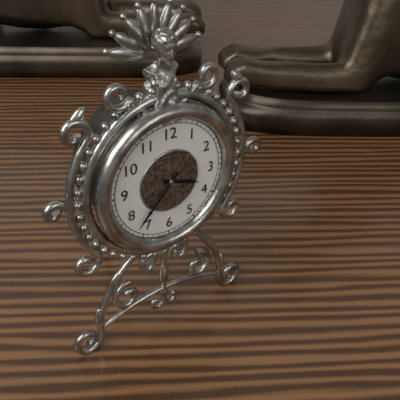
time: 3:37
